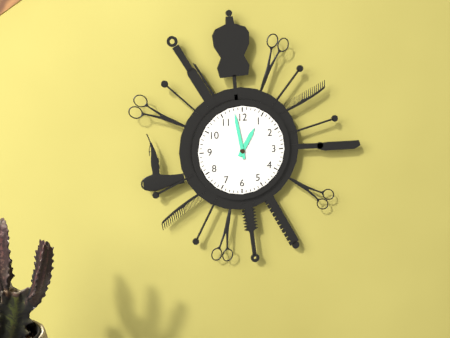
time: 12:58
